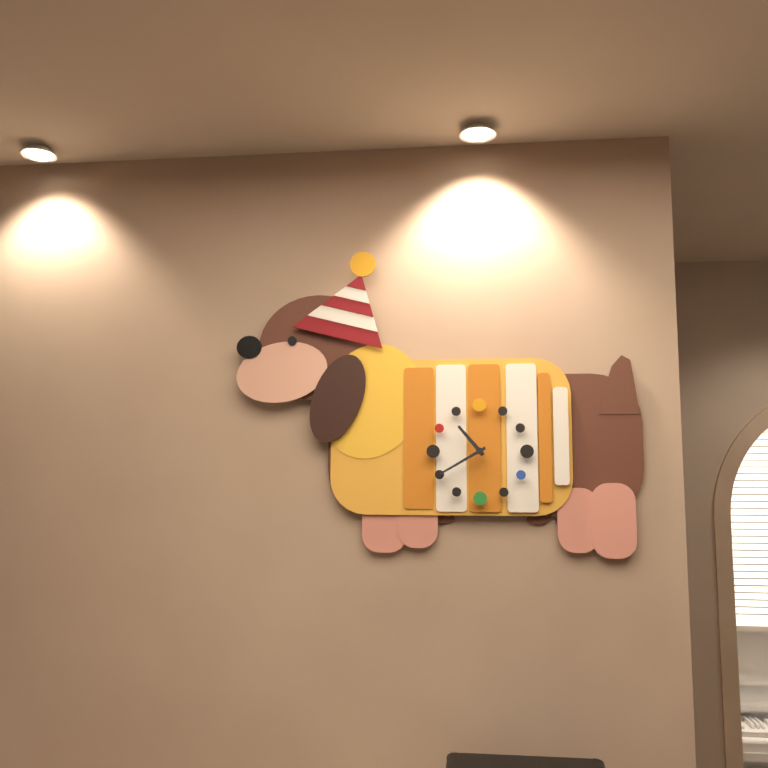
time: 10:40
